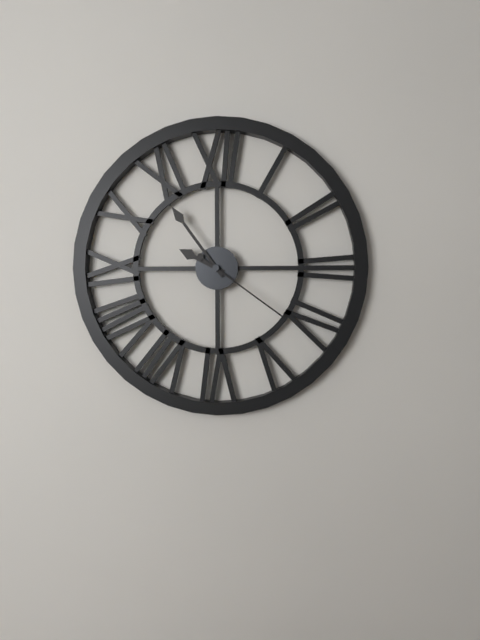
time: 9:54:21
